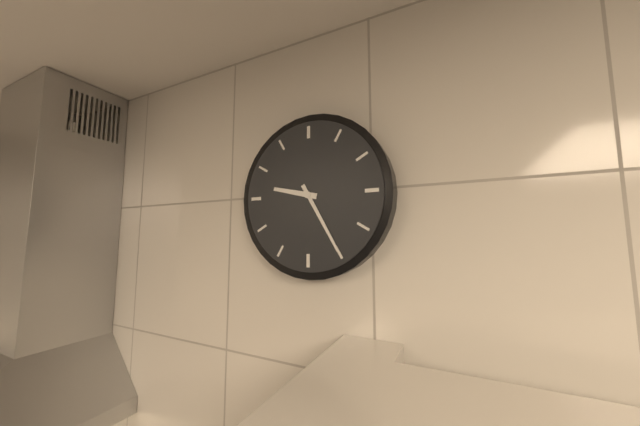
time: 9:25
